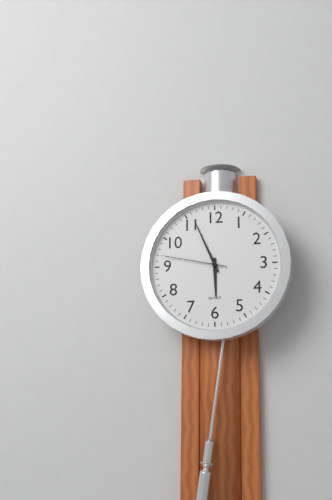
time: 5:56:47
